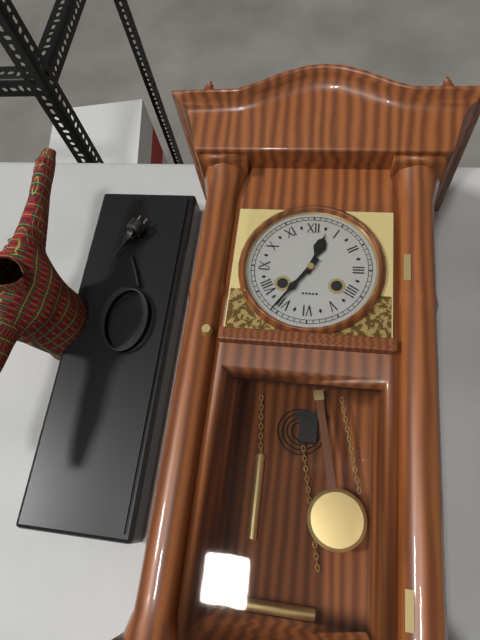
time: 12:36
